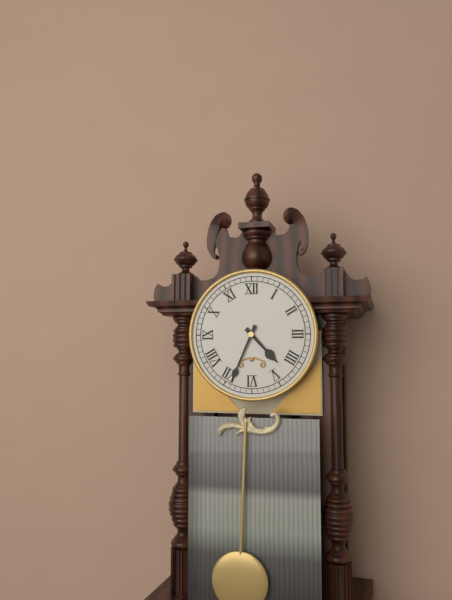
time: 4:34
